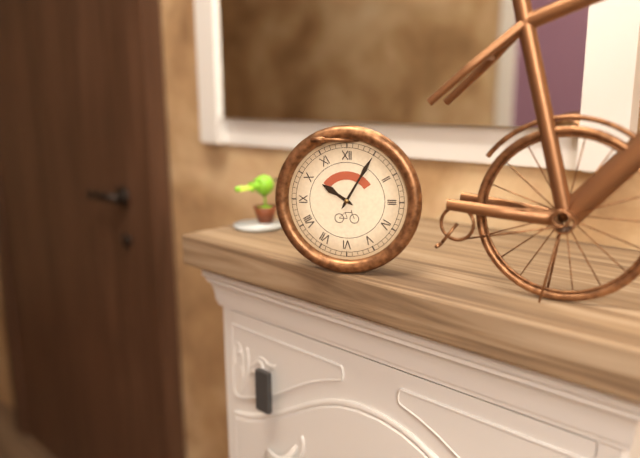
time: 10:05
